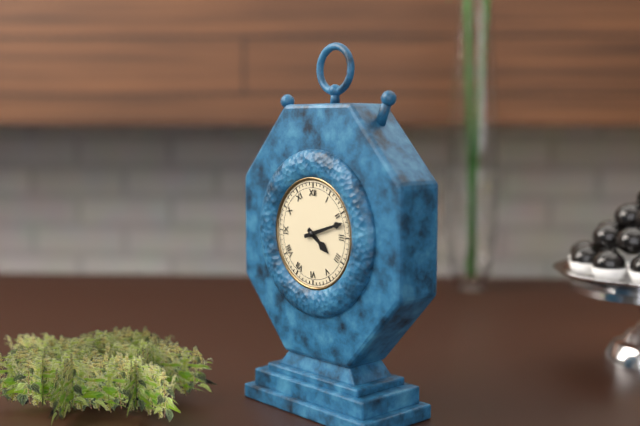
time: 4:12
